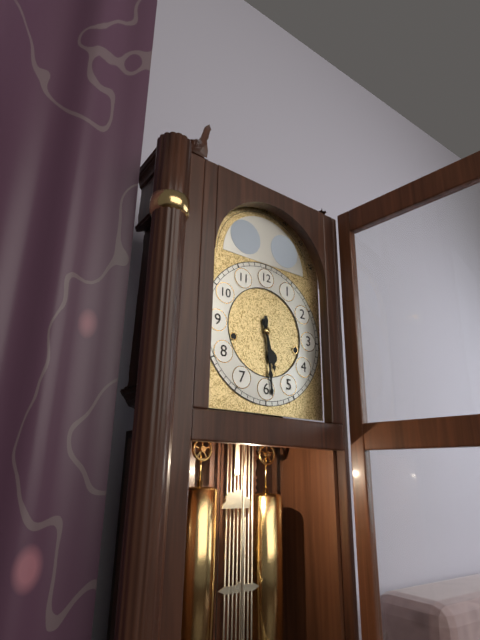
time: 5:29
